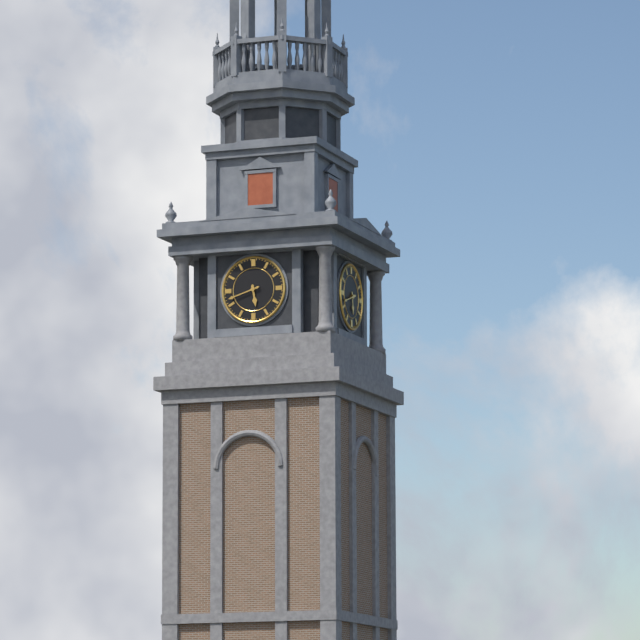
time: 5:42
